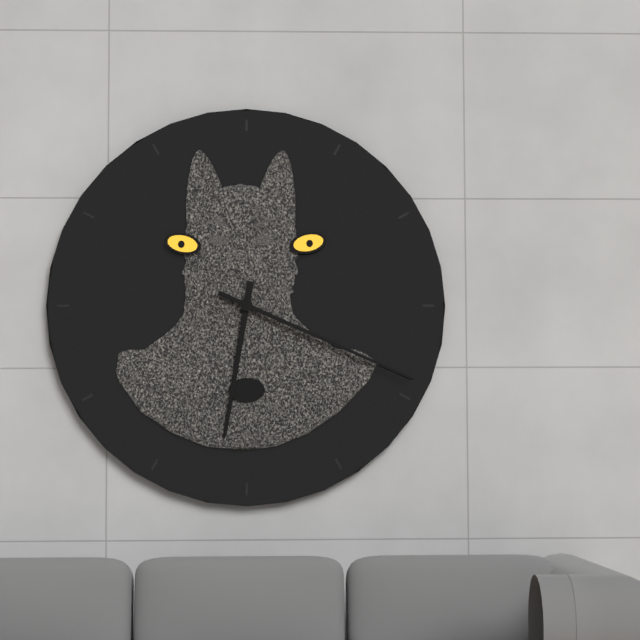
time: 6:19
